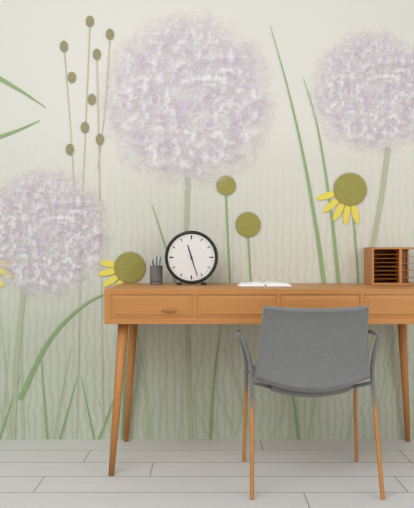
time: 11:27
